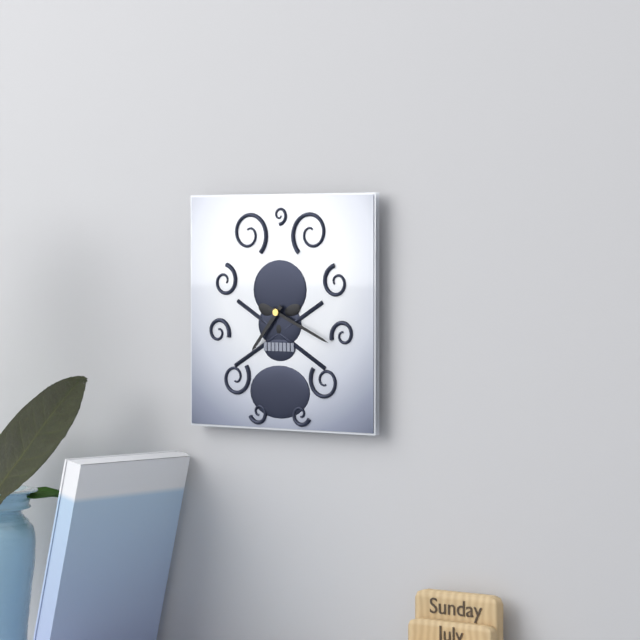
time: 7:19
